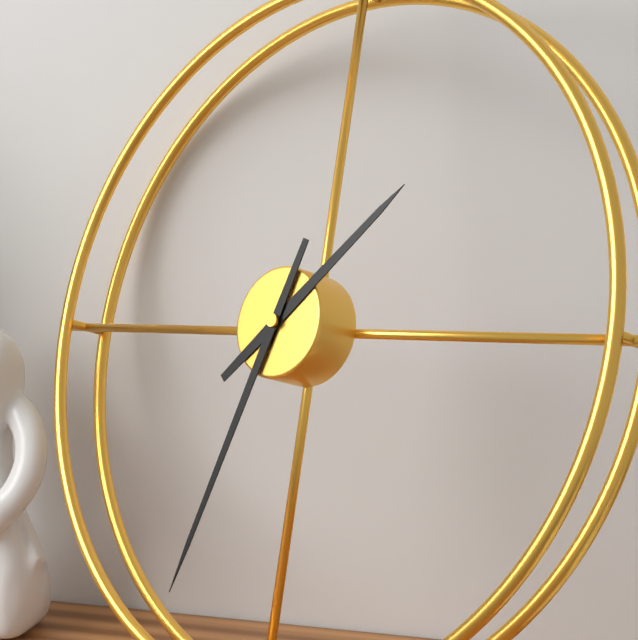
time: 1:33
